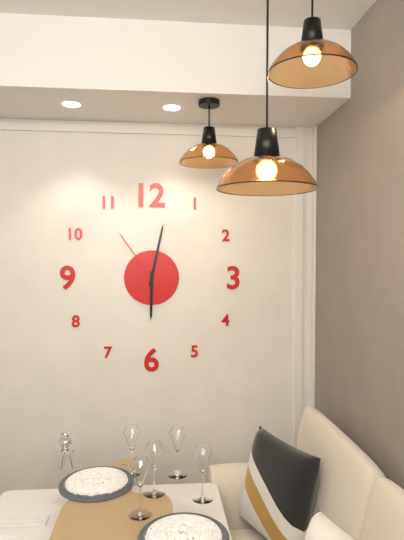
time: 6:02:54
